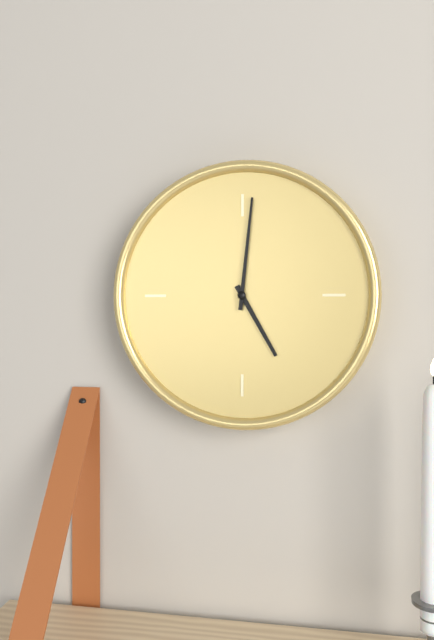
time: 5:01
